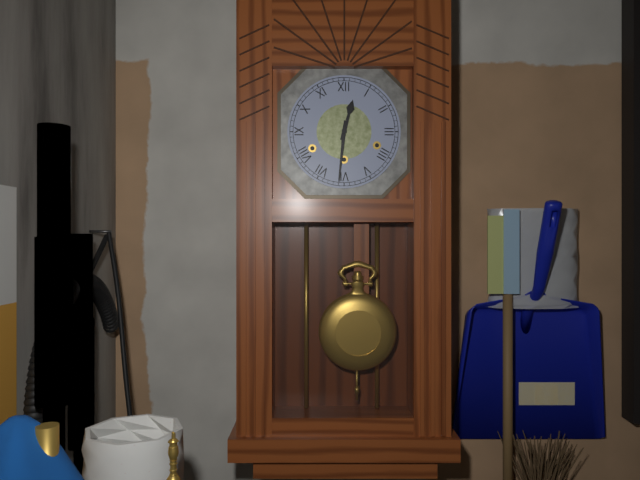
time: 12:31
